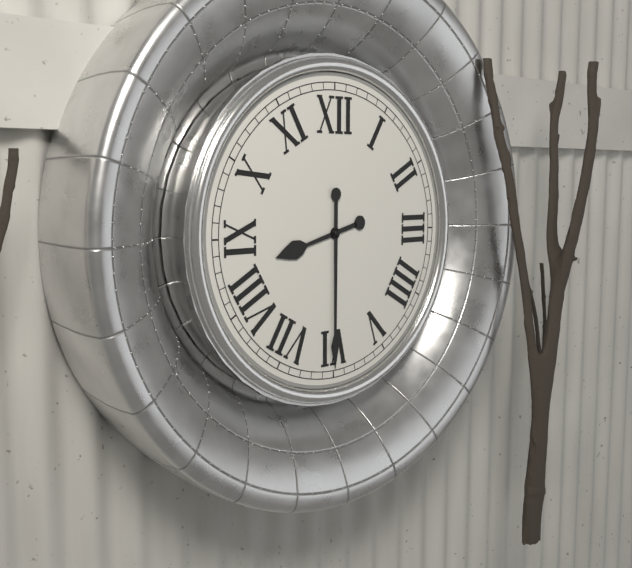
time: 8:30
